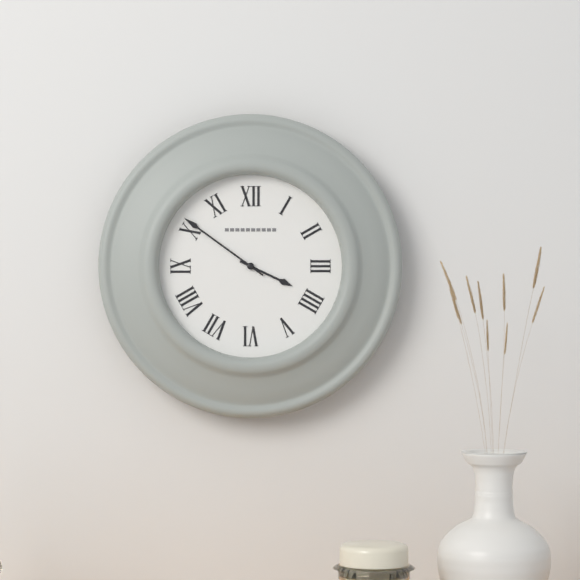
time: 3:51
